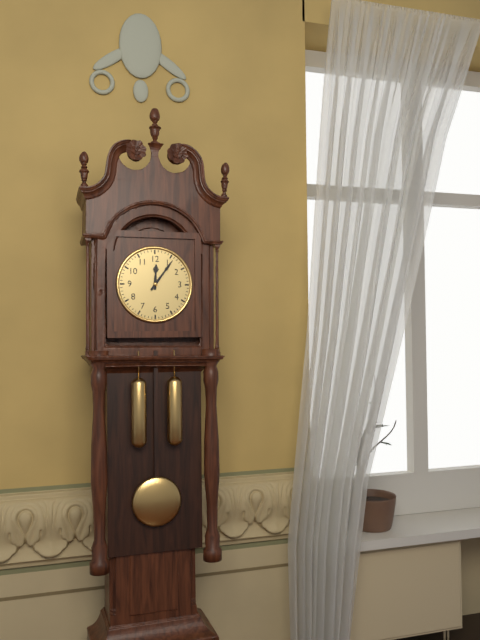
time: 12:06
